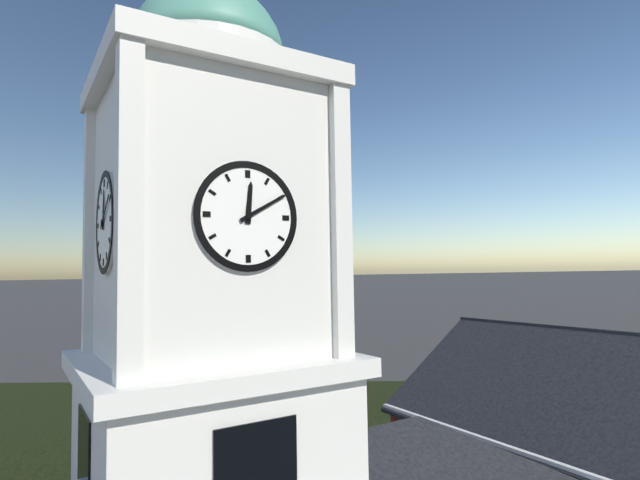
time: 12:10
